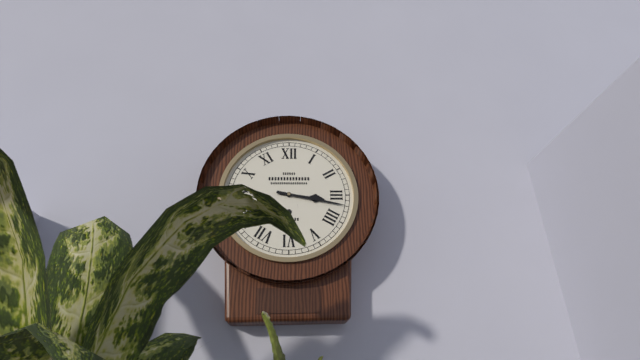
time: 3:17
